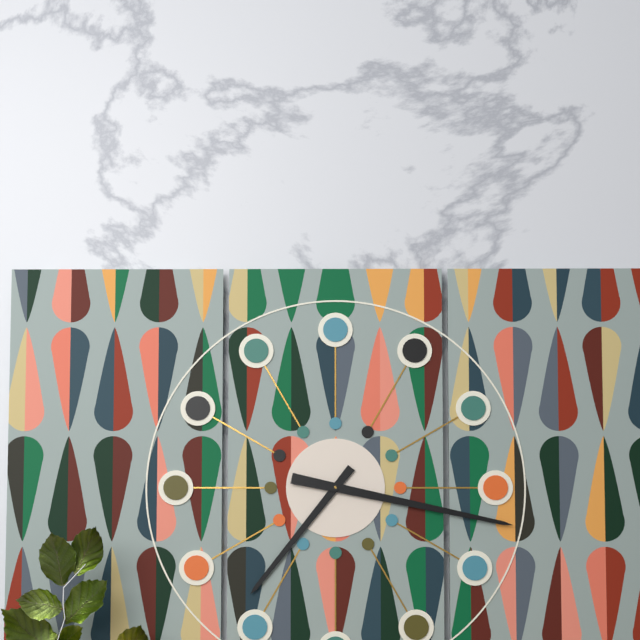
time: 7:17
